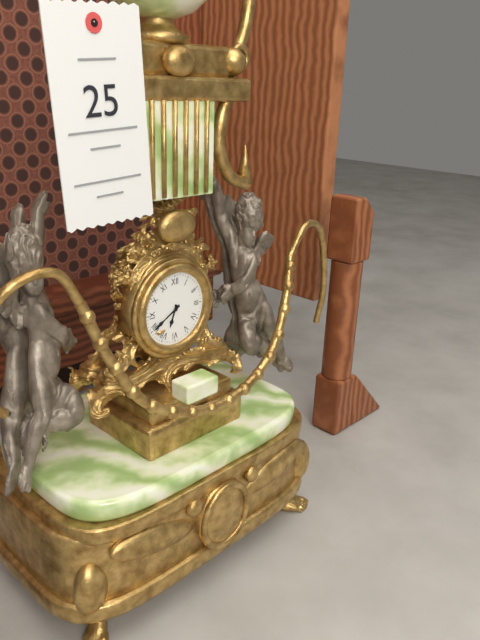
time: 6:40
